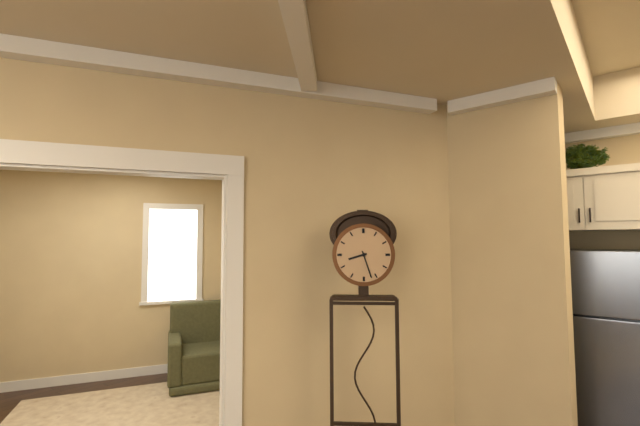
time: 8:27
